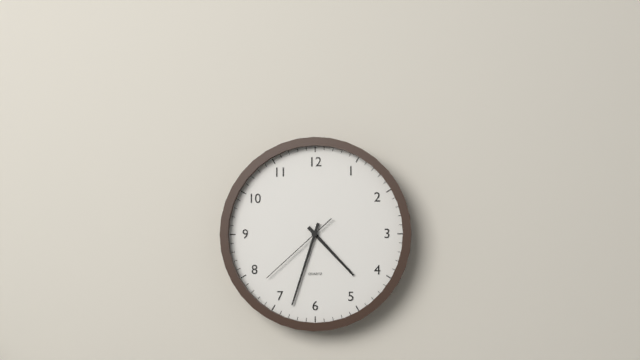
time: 4:33:38
